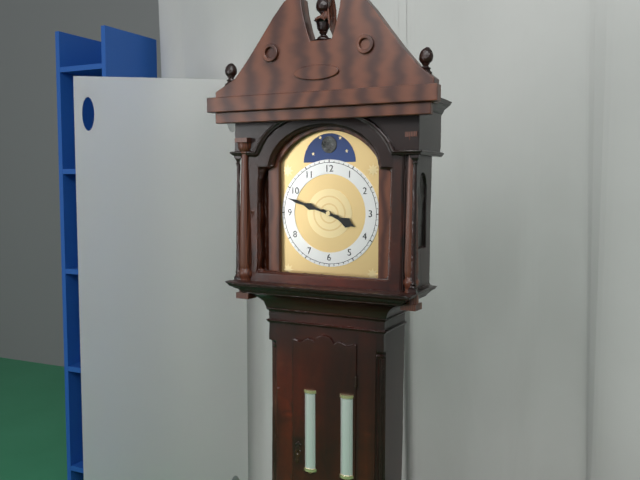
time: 3:48
